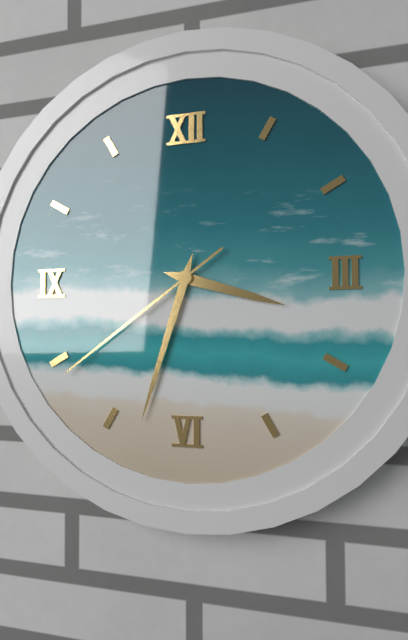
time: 3:33:39
